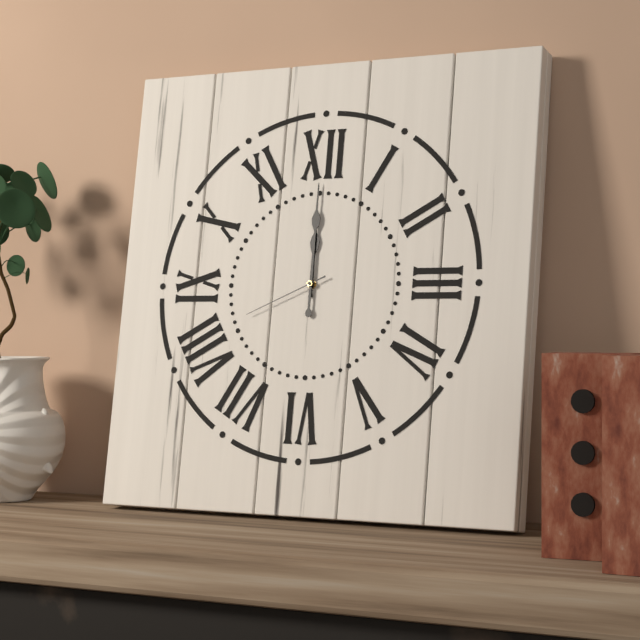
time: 12:00:41
